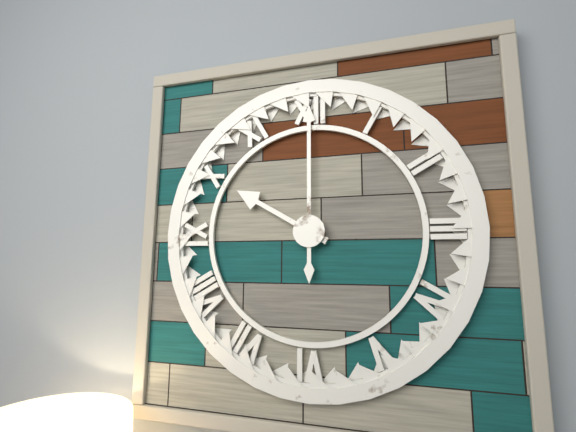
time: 10:00
